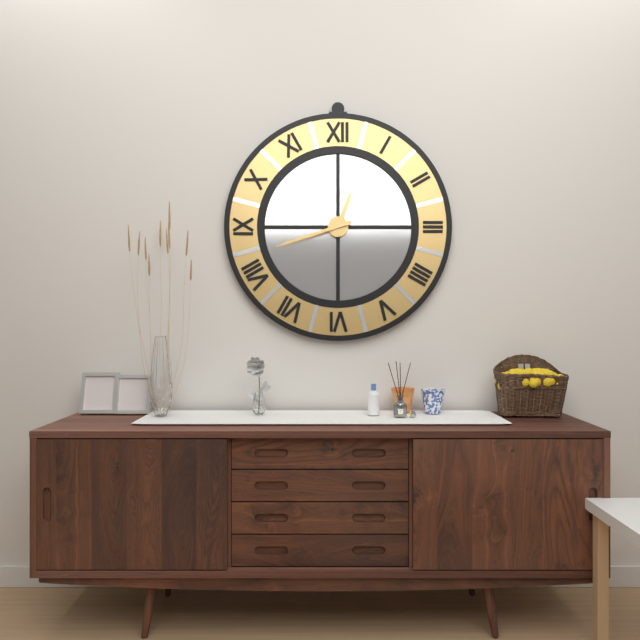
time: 12:42
